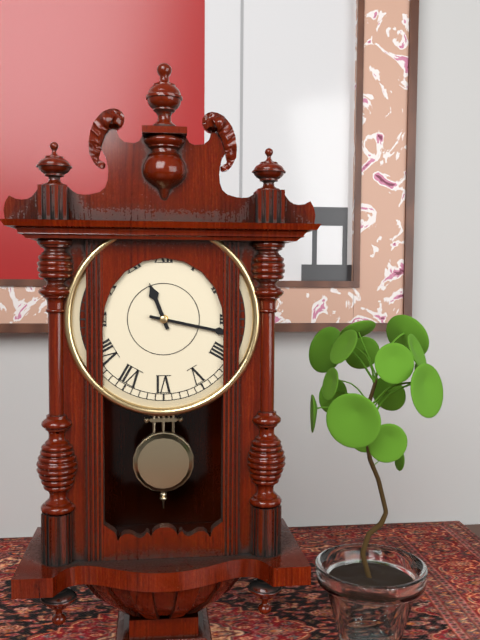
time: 11:17
